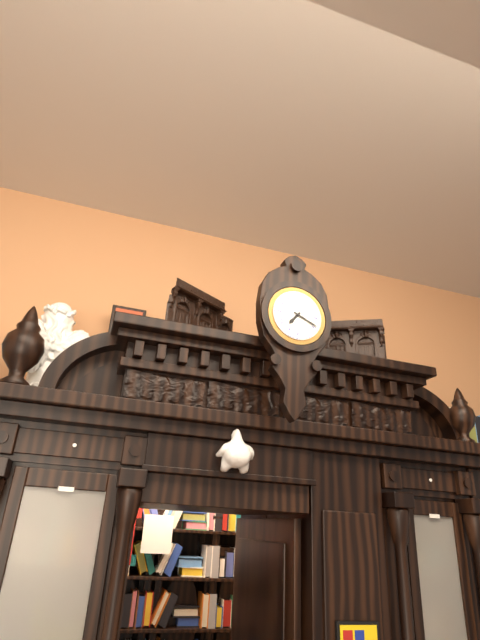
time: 7:19
